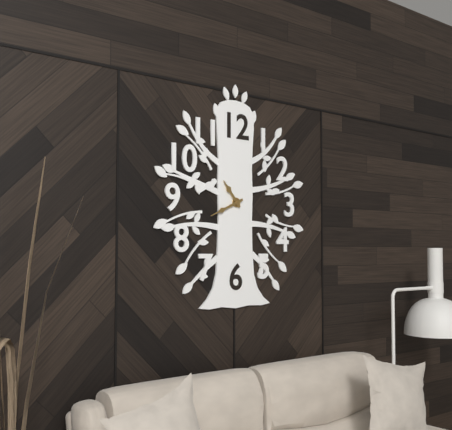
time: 10:41
